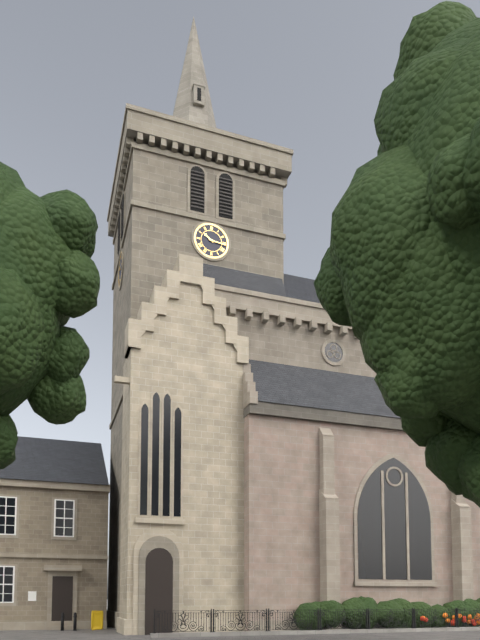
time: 10:16
